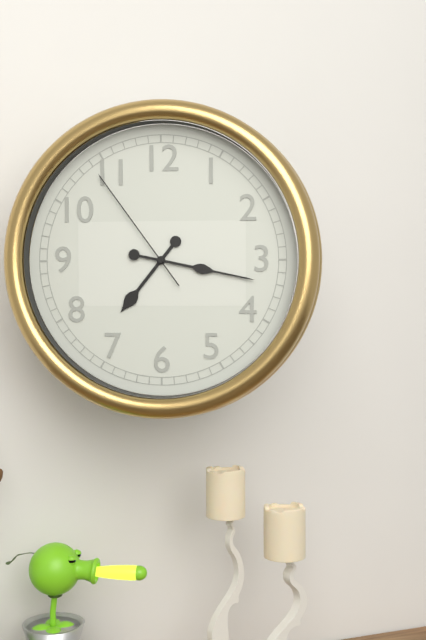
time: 7:17:54
